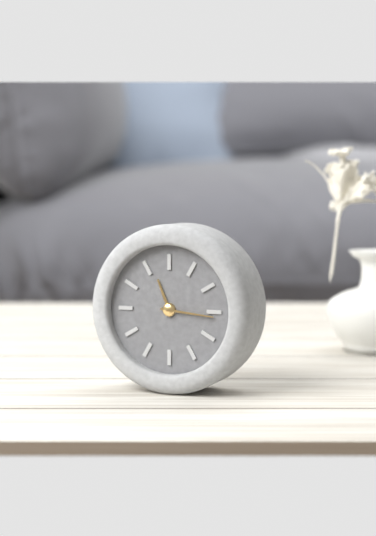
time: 11:16
